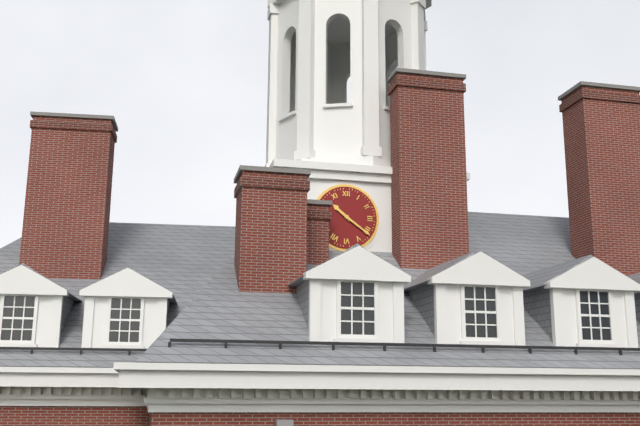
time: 10:21
